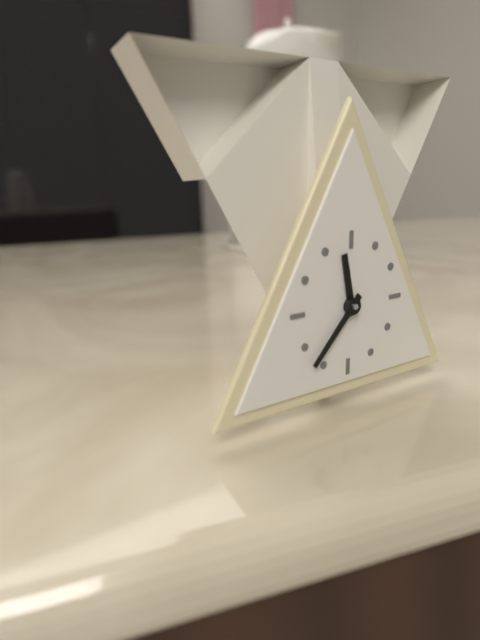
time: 11:37
